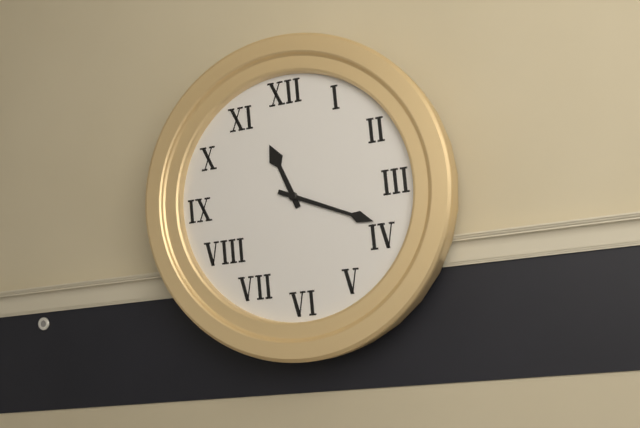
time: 11:19
